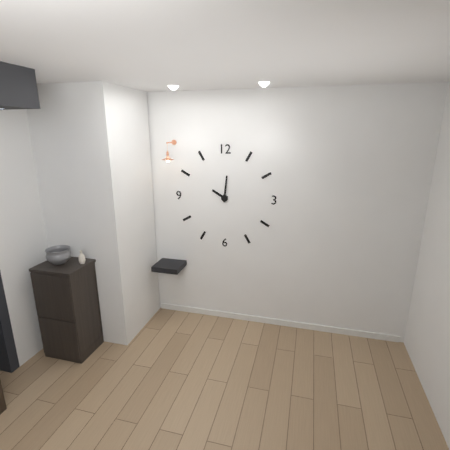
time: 10:01
